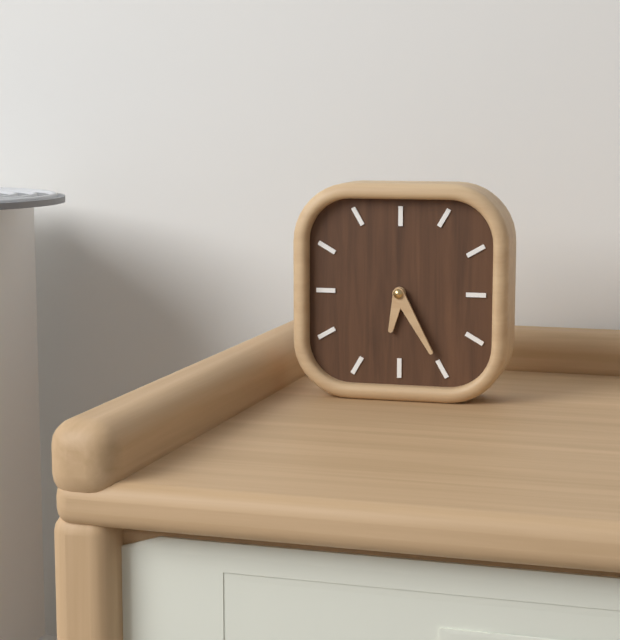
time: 6:25
